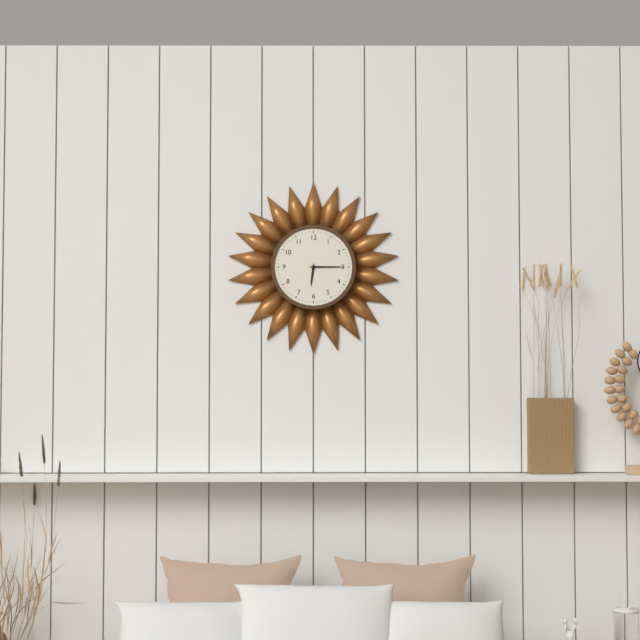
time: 6:15
